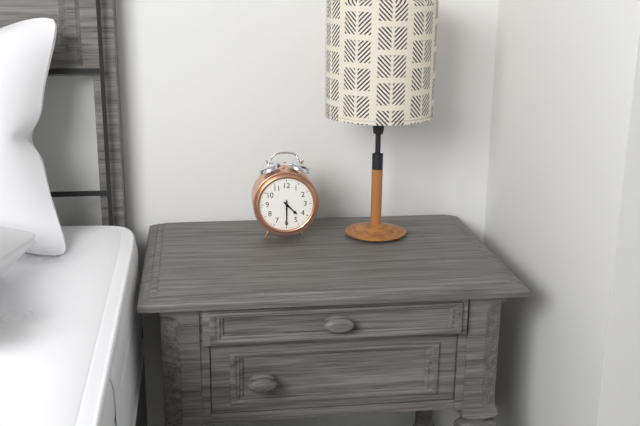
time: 4:30
